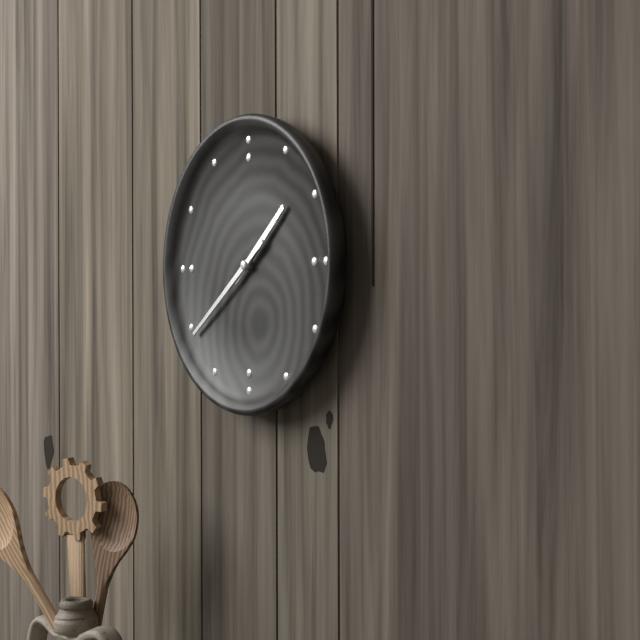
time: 1:39
